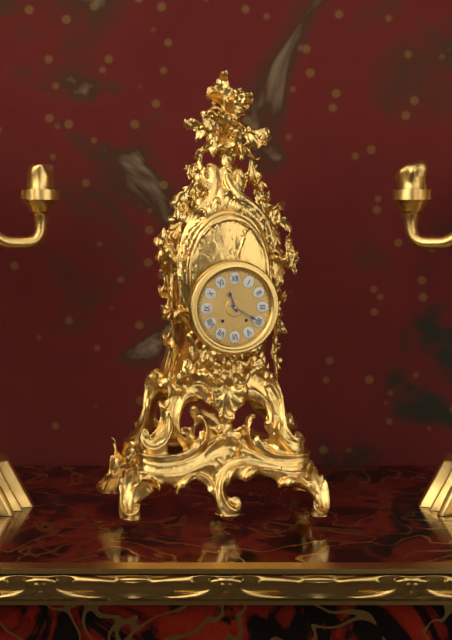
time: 11:20
